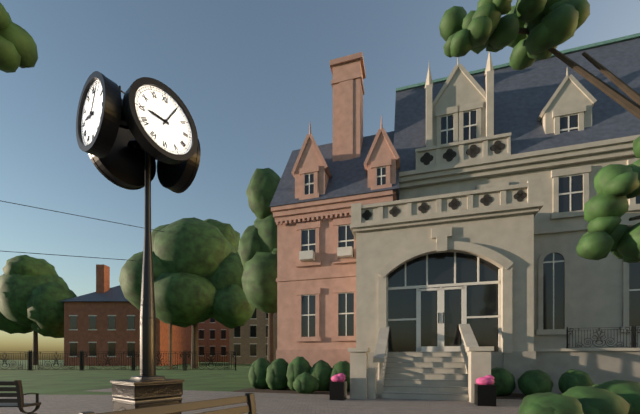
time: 9:05
